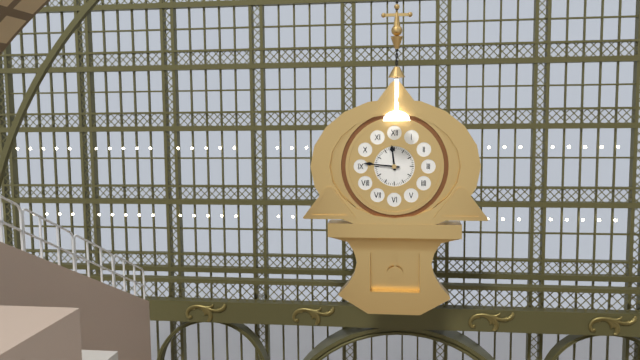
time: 11:46
